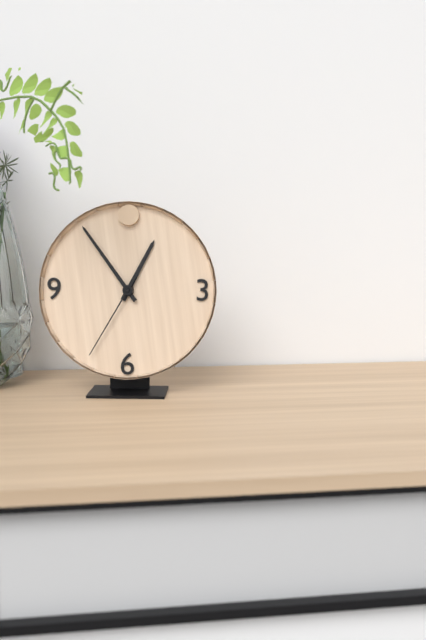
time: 12:54:35
